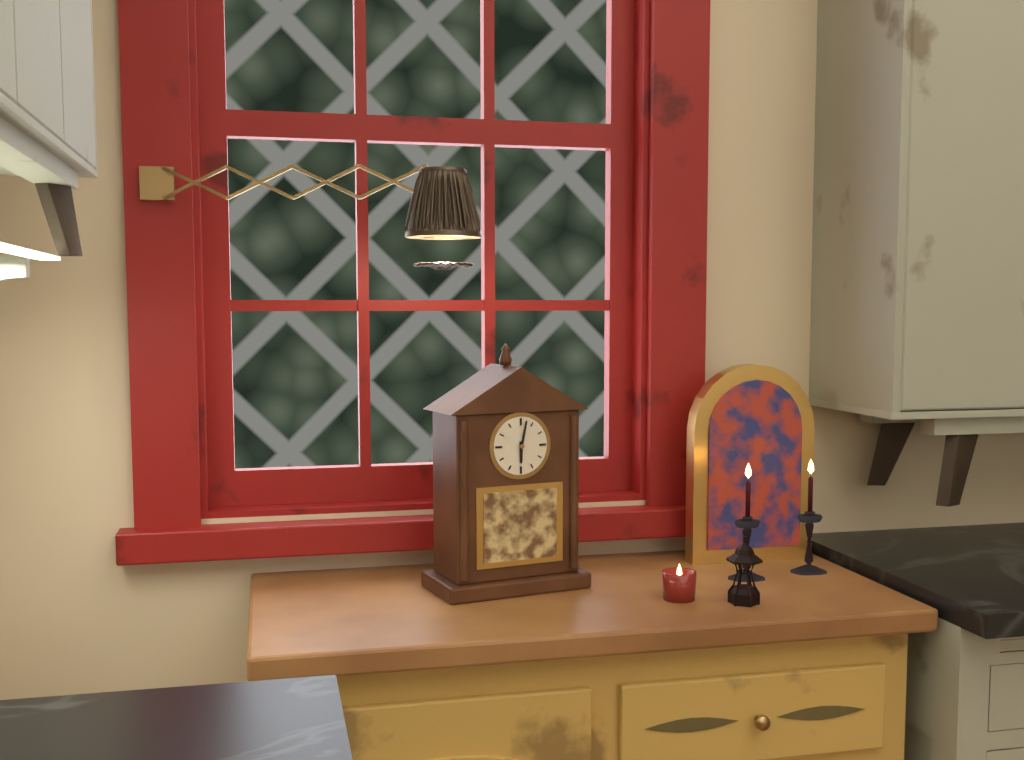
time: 6:02
